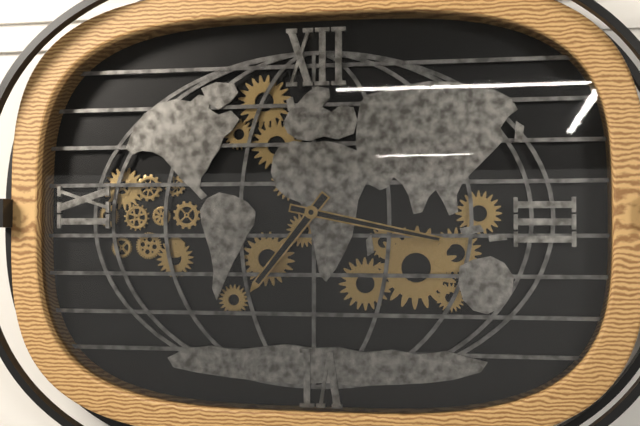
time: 7:17
